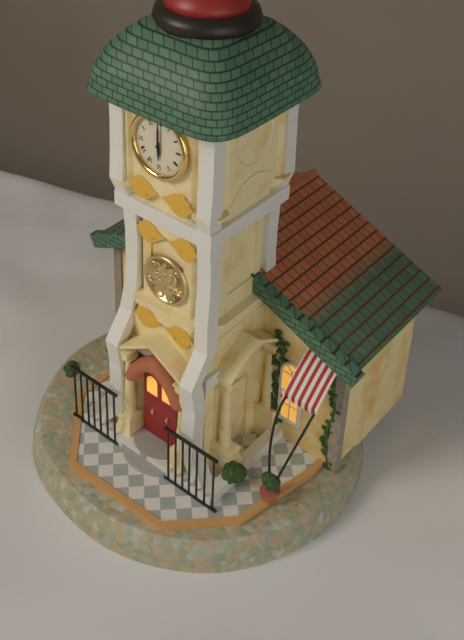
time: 6:00
